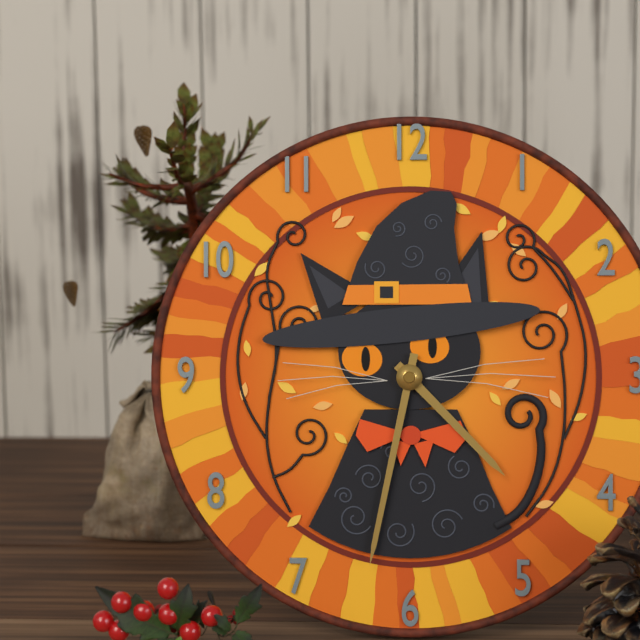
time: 4:32
